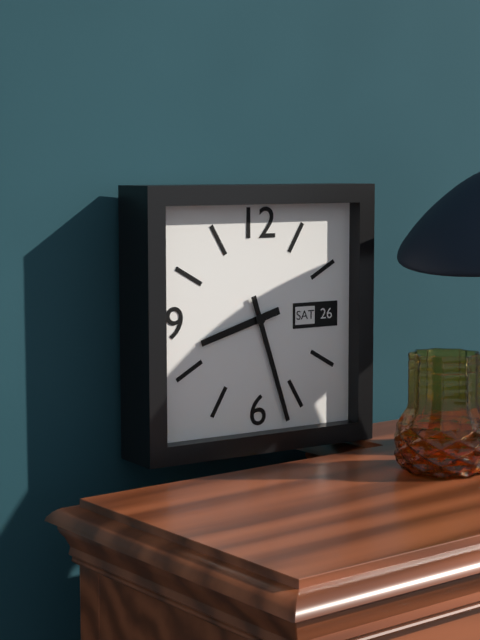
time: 8:27
